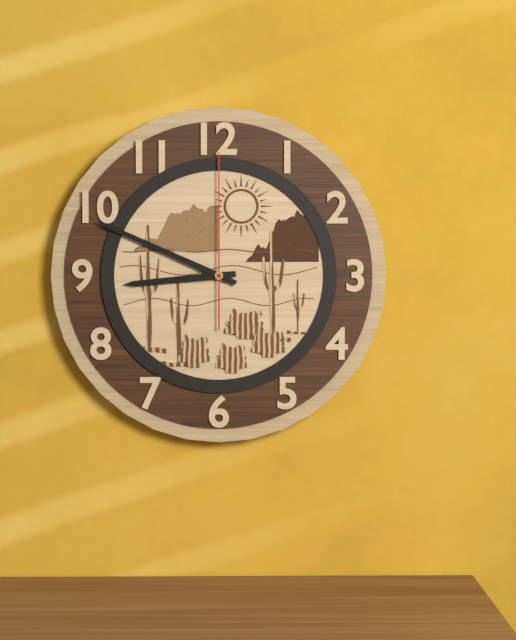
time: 8:49:00
